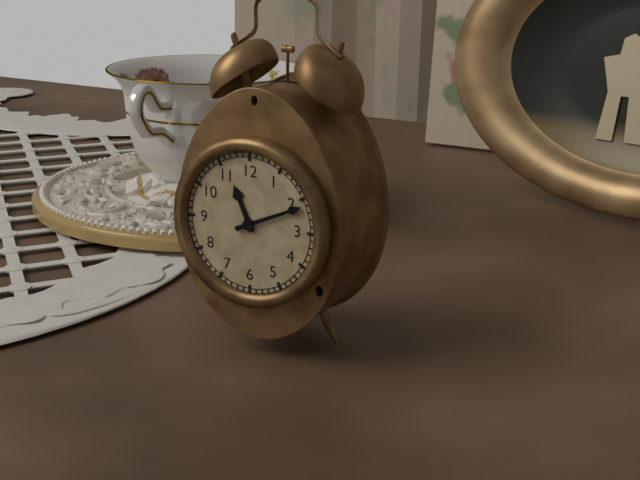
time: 11:11
